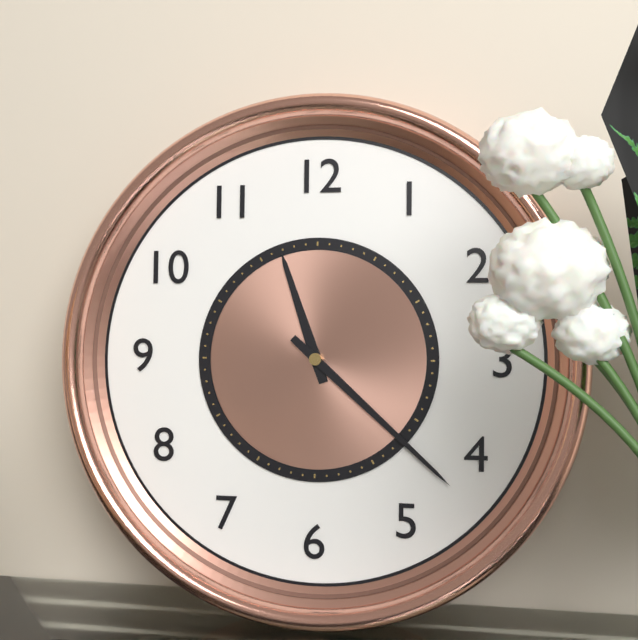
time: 11:22
